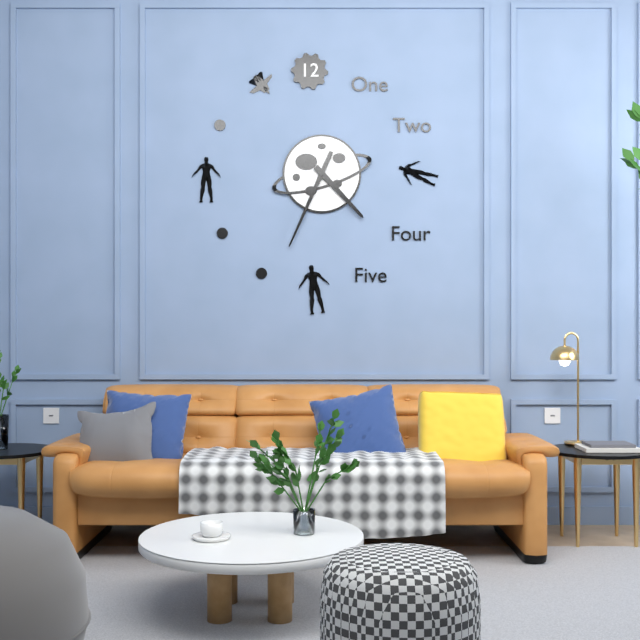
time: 4:34
